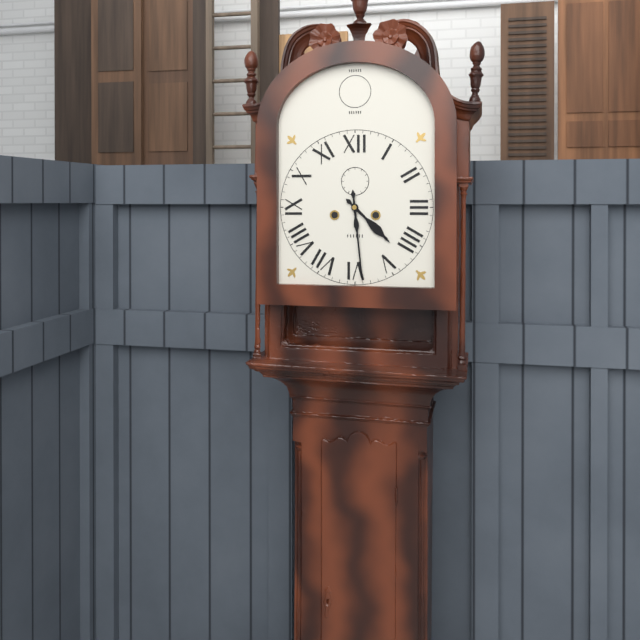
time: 4:29
